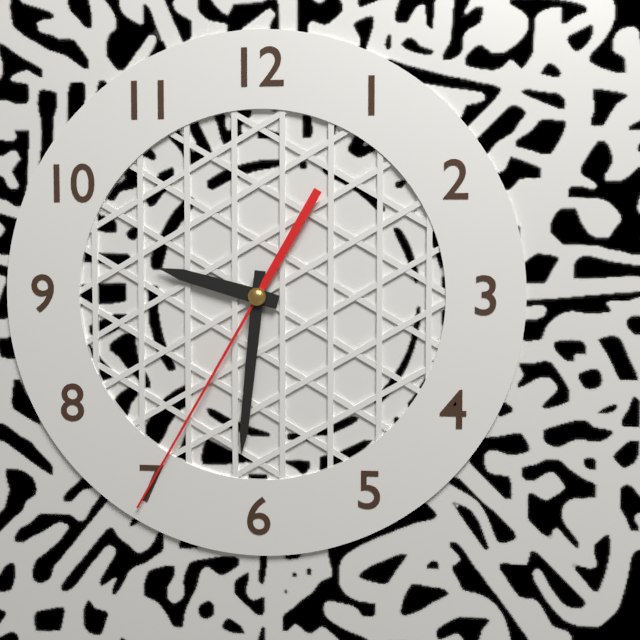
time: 9:31:35
